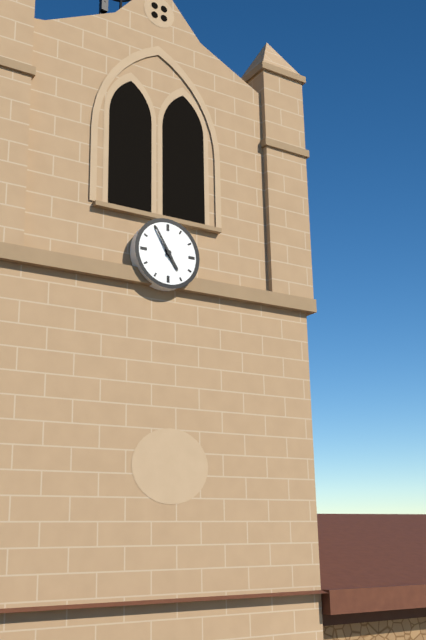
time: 4:55
